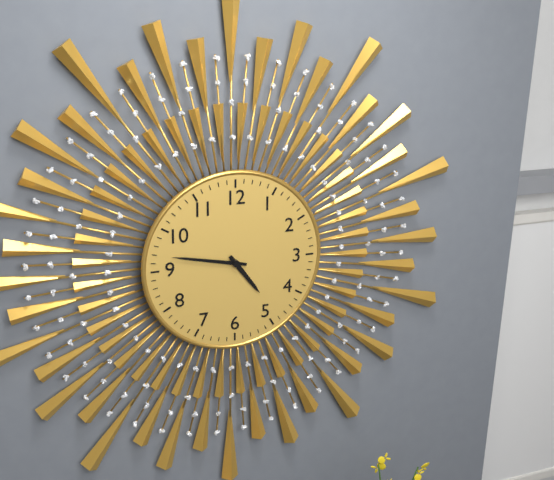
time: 4:47
